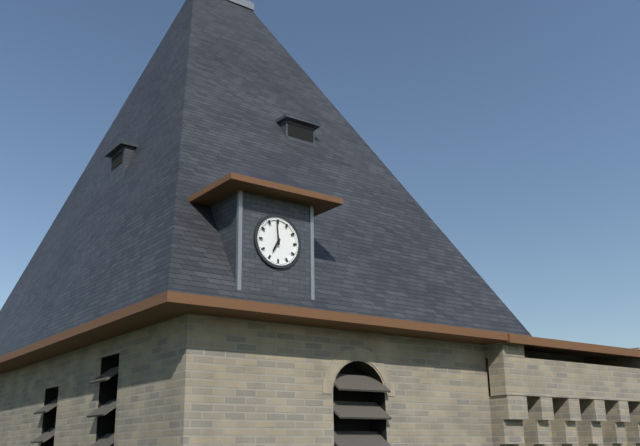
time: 6:59
